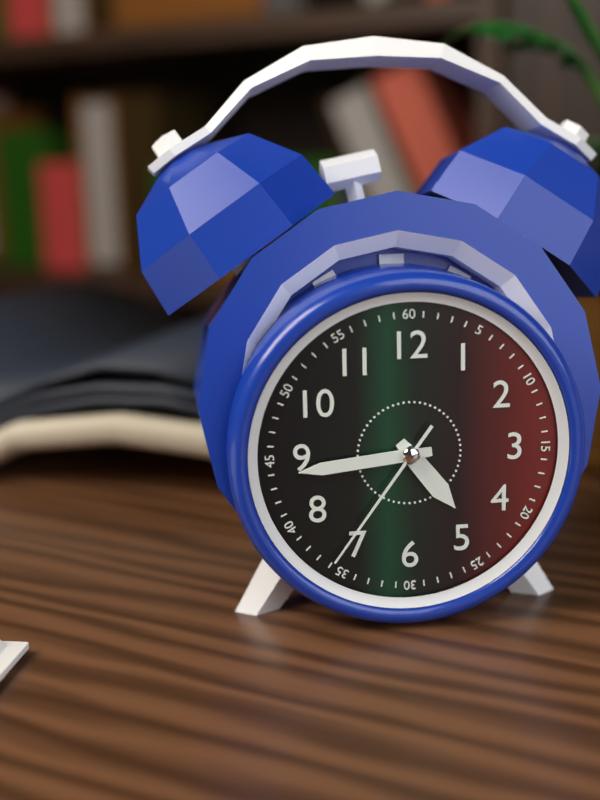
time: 4:44:36
